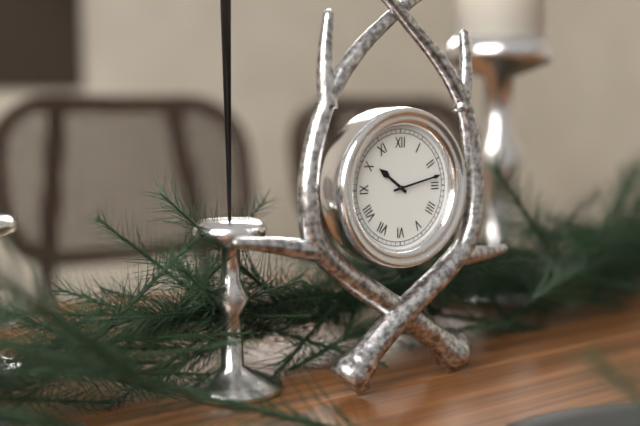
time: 10:13
